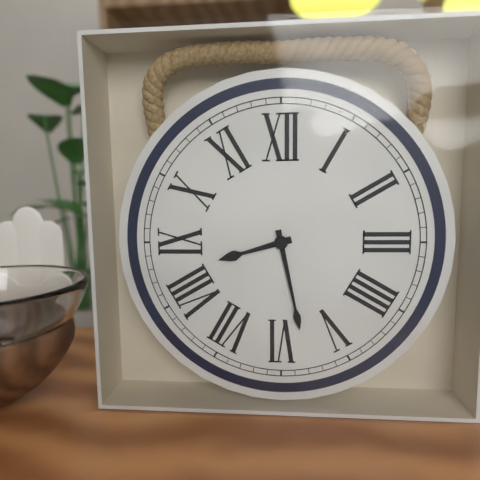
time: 8:28
